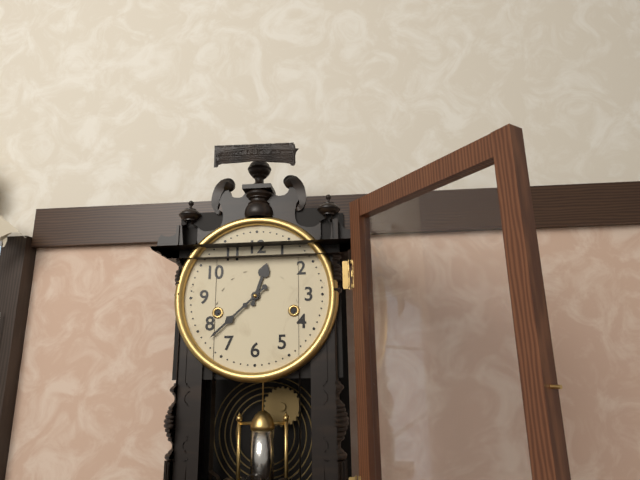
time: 12:38
